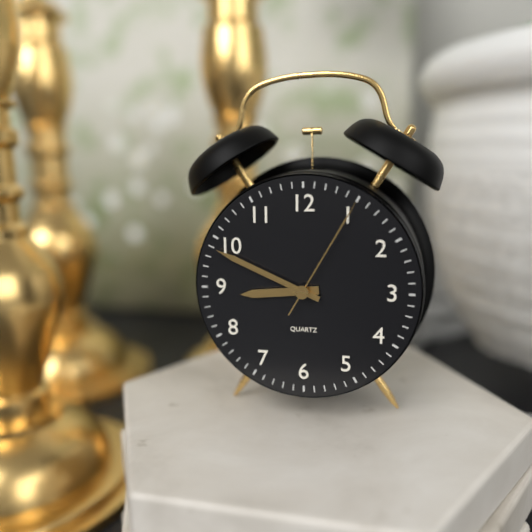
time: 8:49:05
